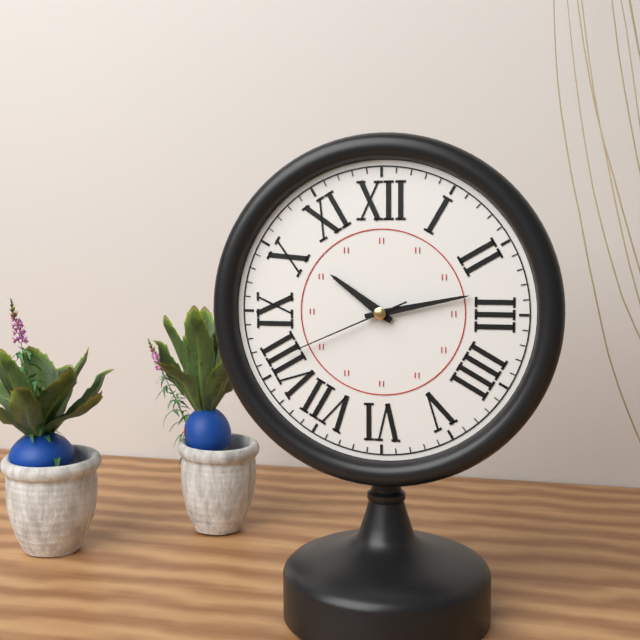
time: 10:13:41
